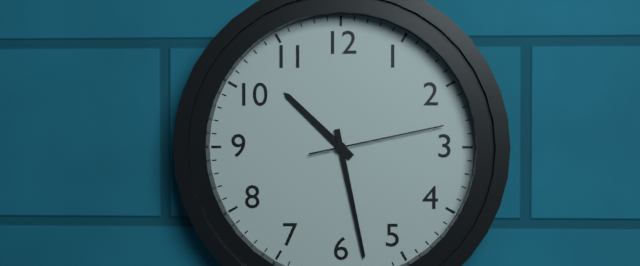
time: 10:28:13
